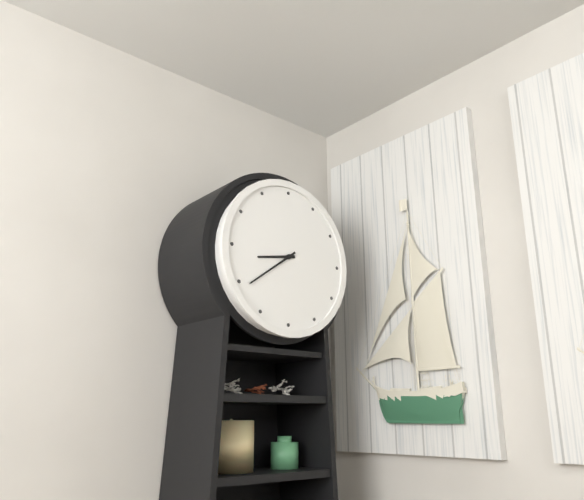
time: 8:39
